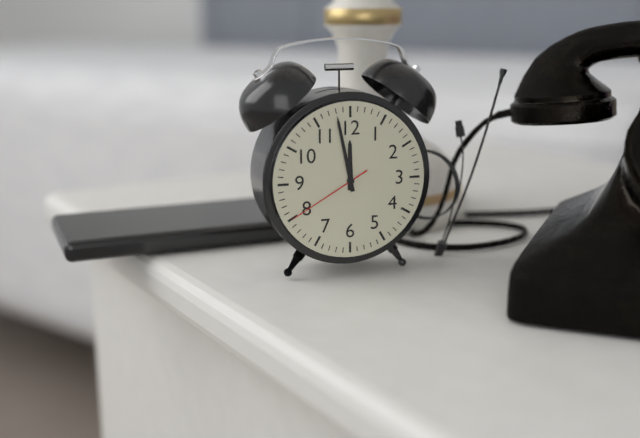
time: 11:58:40
